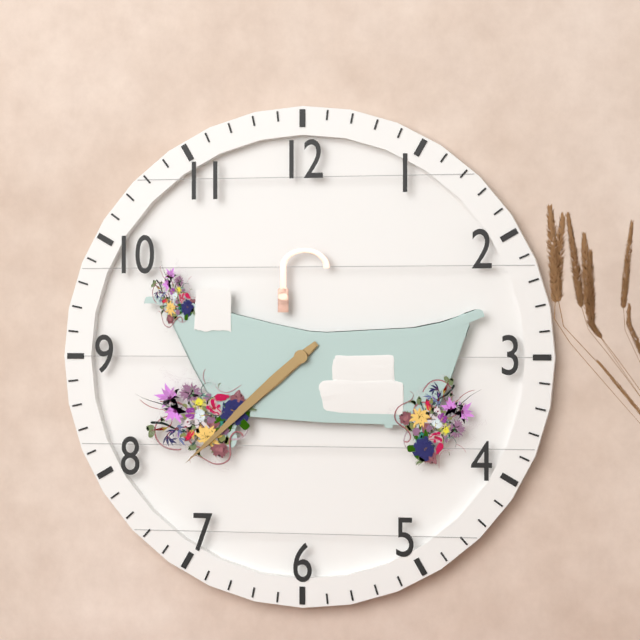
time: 7:38
